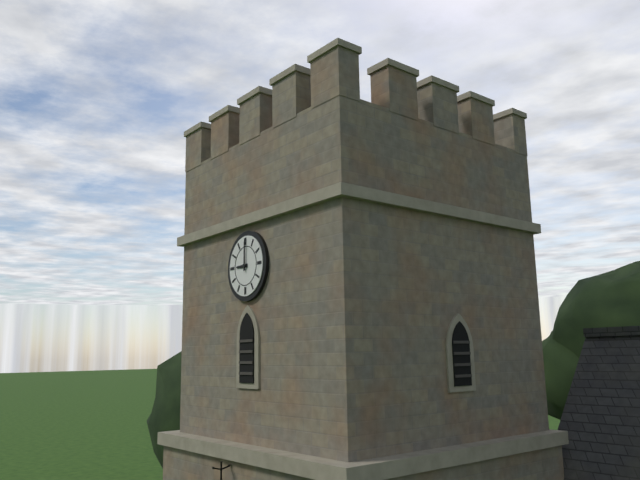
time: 9:00
